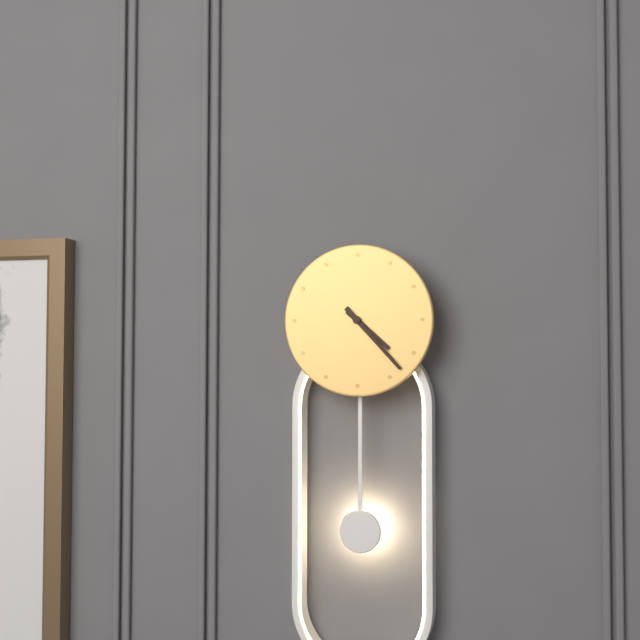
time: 4:23
